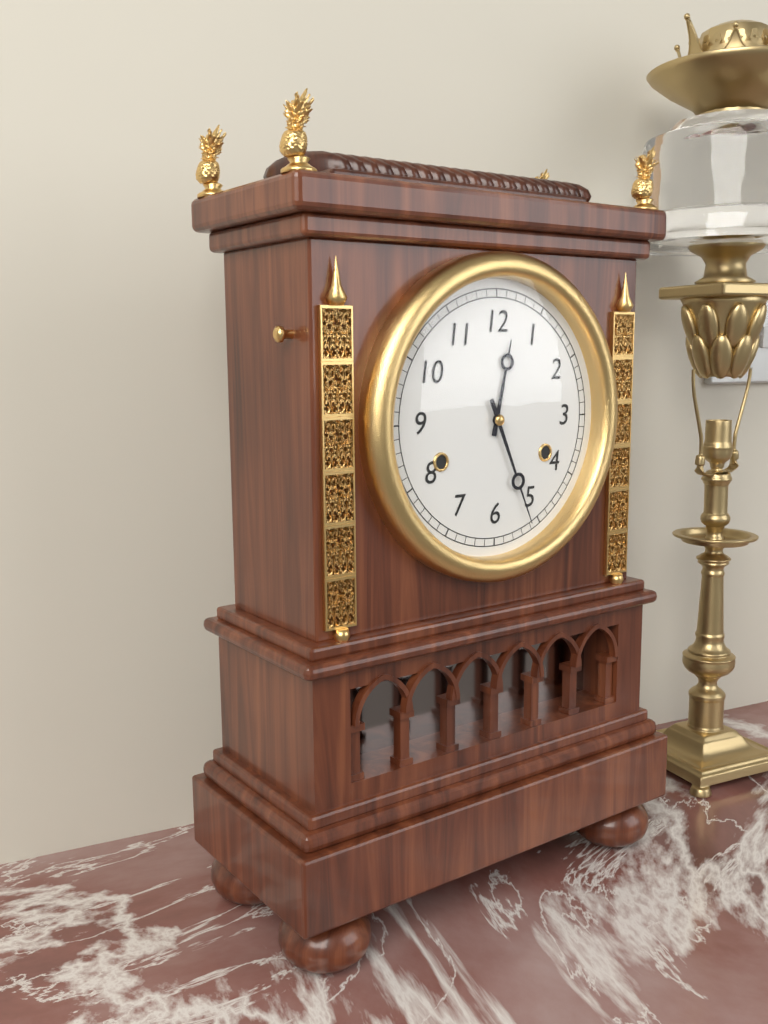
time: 12:26
